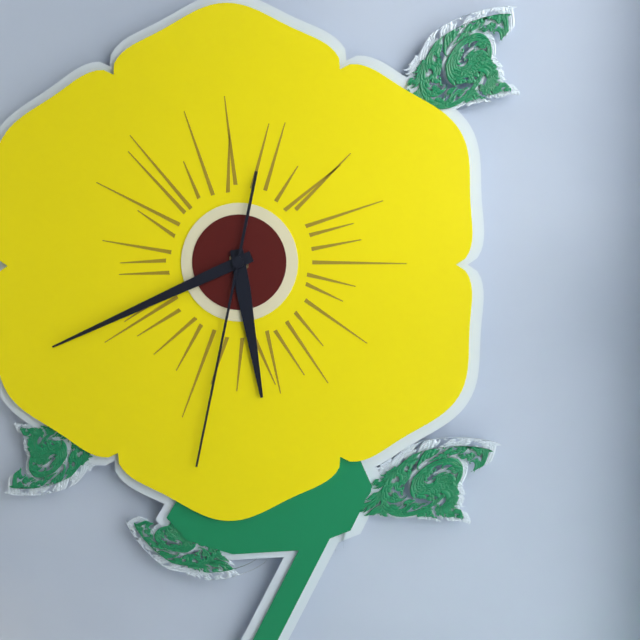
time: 5:41:32
